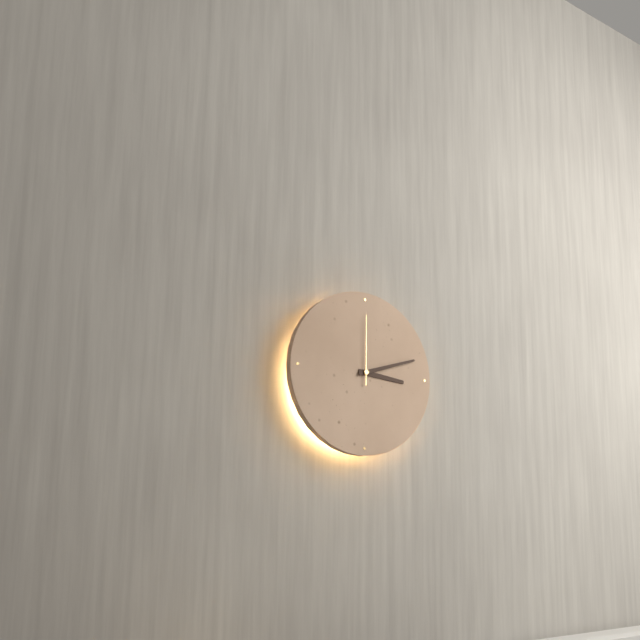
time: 3:12:00
